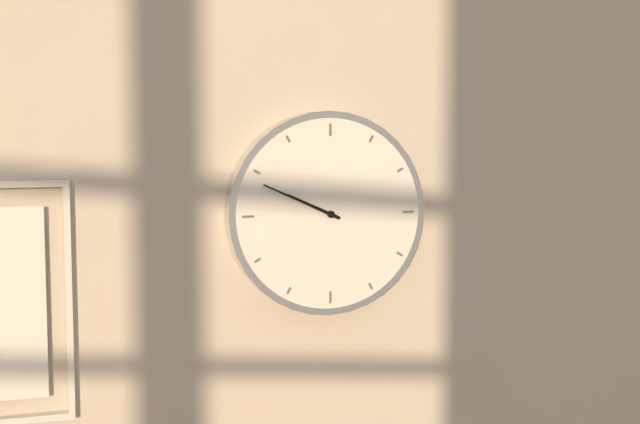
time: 9:49
